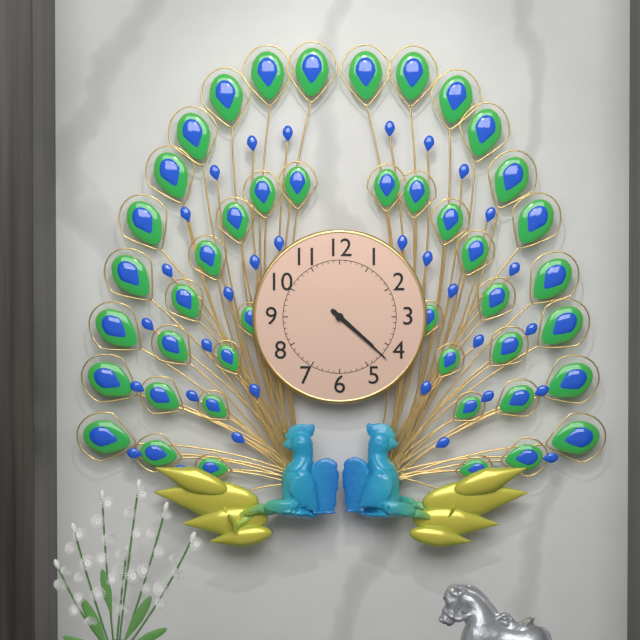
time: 4:22
